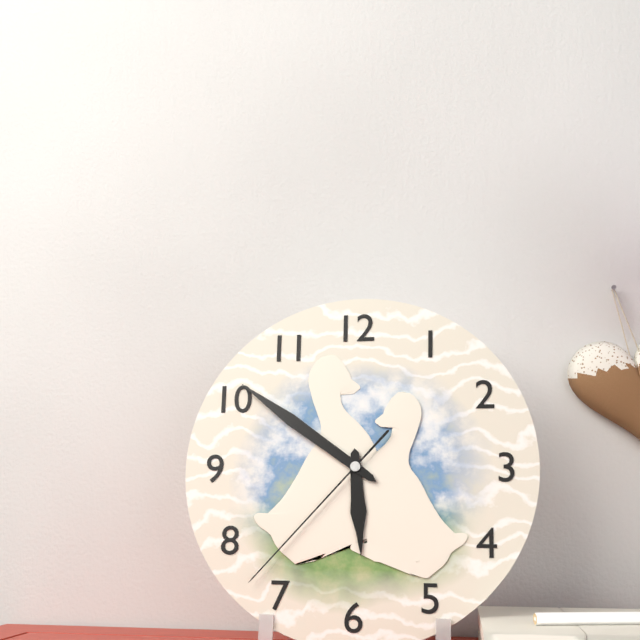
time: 5:51:37
